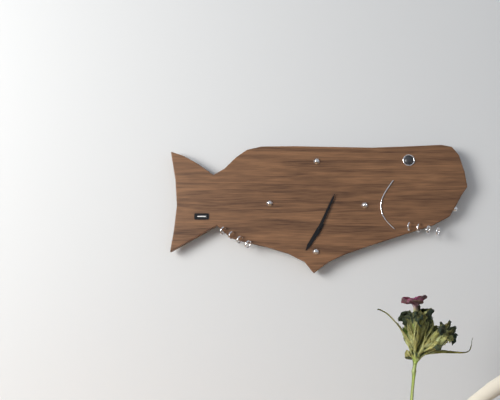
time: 7:04
